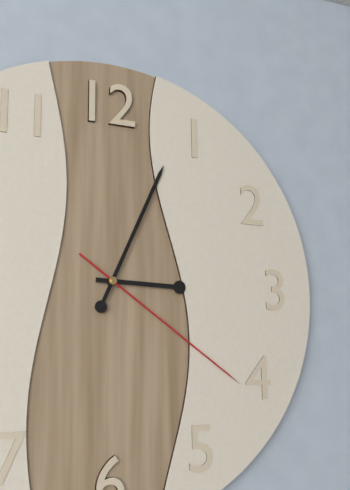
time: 3:04:21
